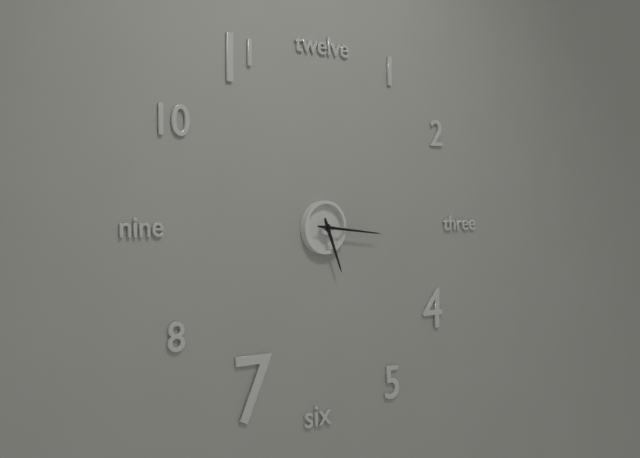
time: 5:16
